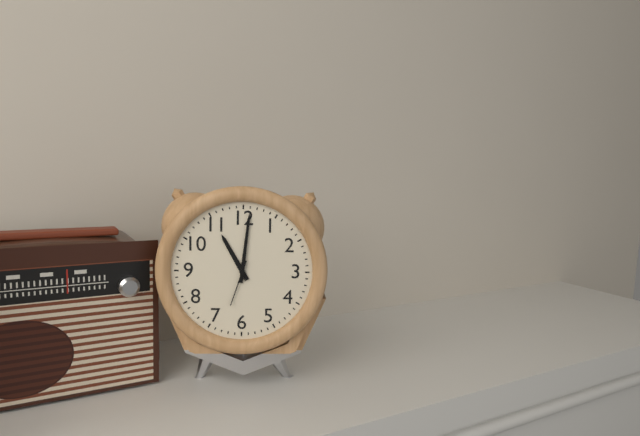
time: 11:01
